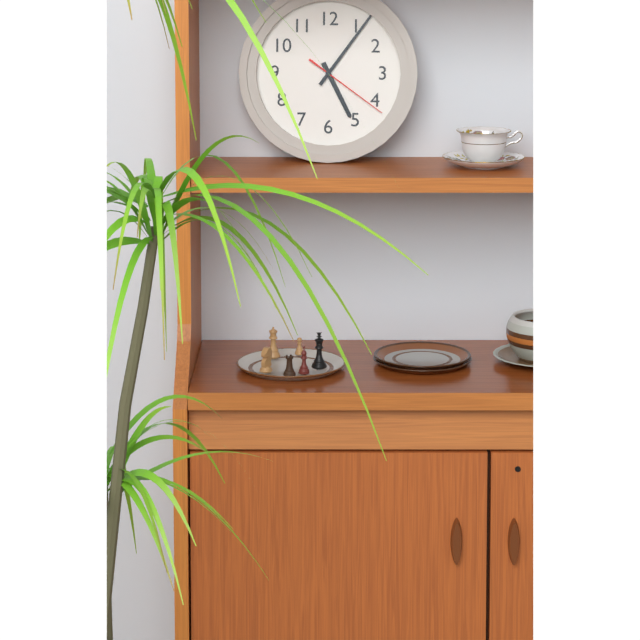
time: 5:06:21
